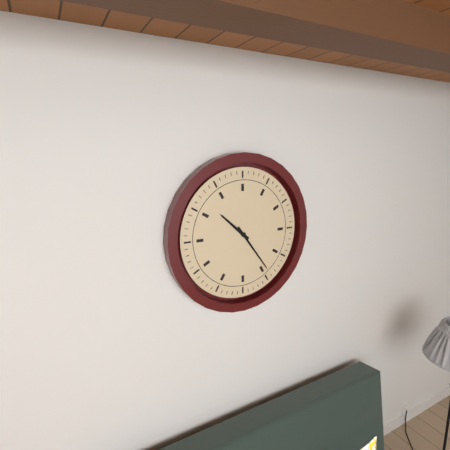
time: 10:24
